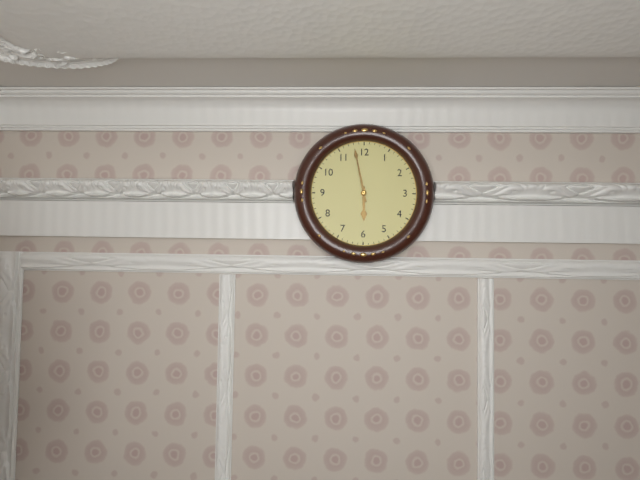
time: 5:58
